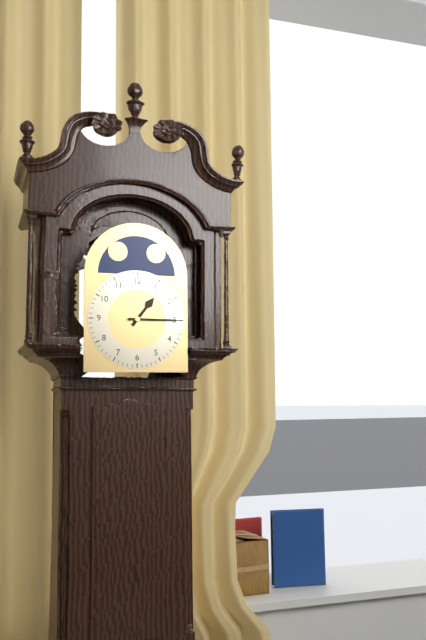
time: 1:15
